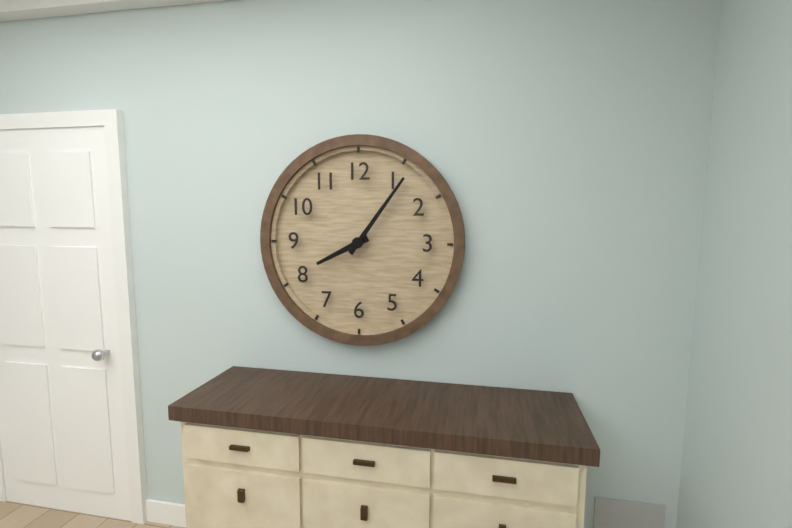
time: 8:06
